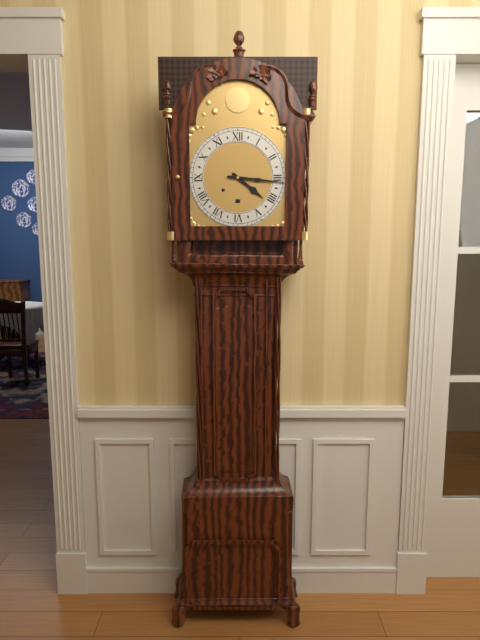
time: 4:16
